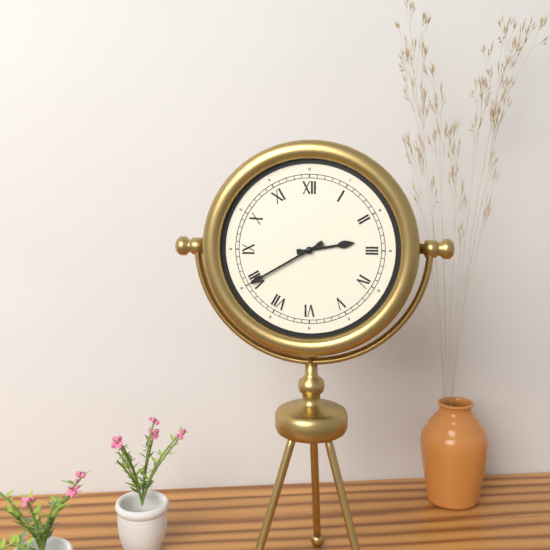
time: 2:40
